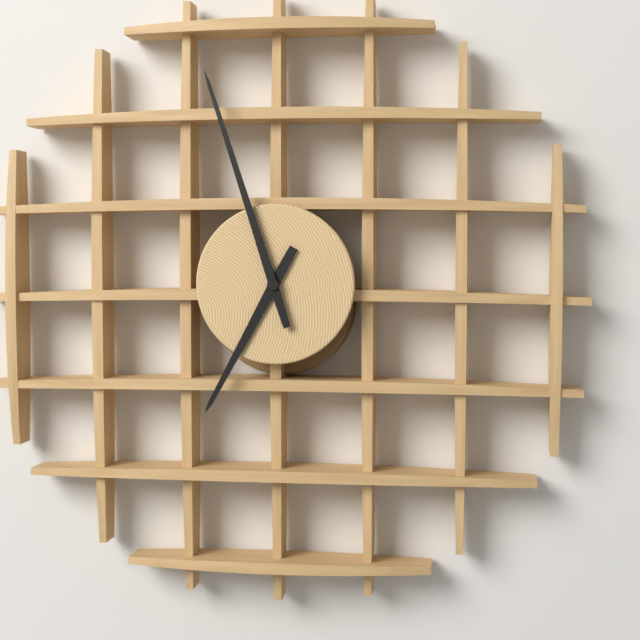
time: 6:57
